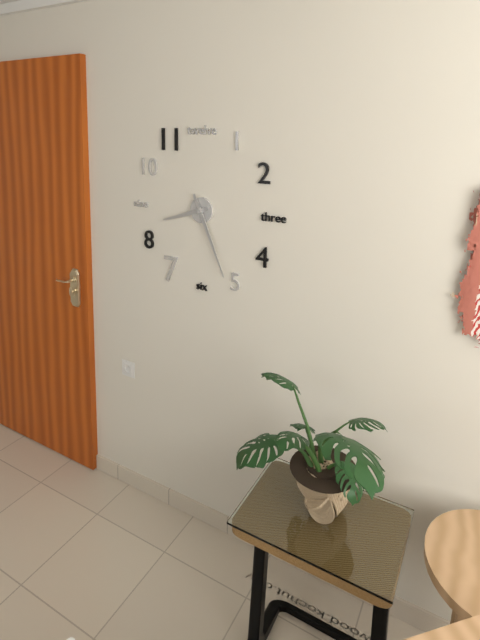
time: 8:26
